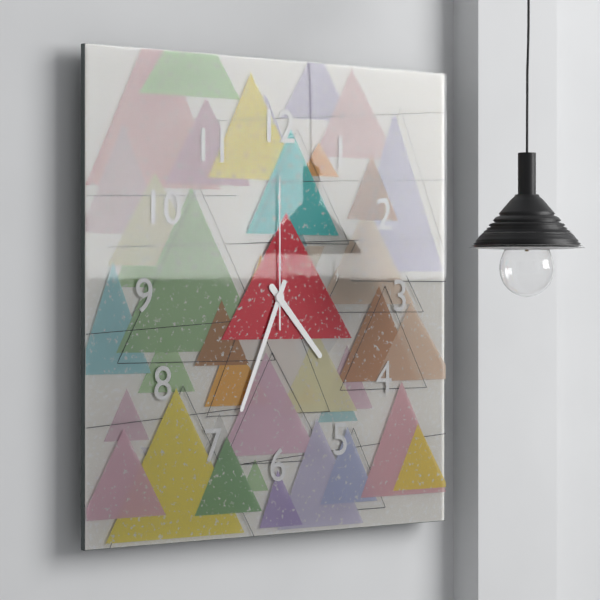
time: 4:34:00
